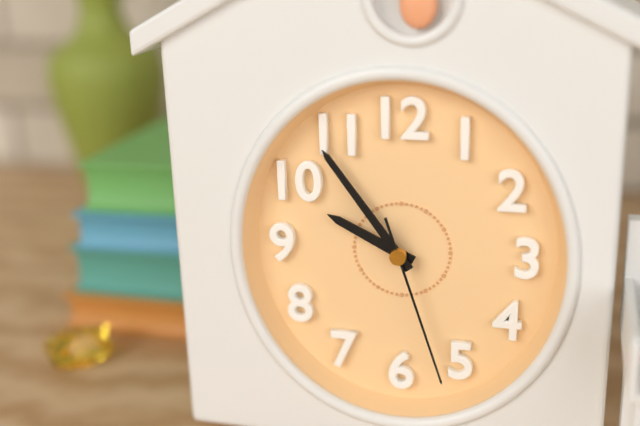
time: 9:54:27
